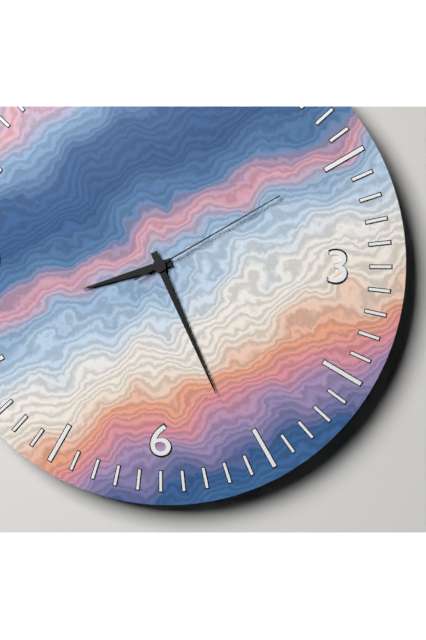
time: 8:26:10
